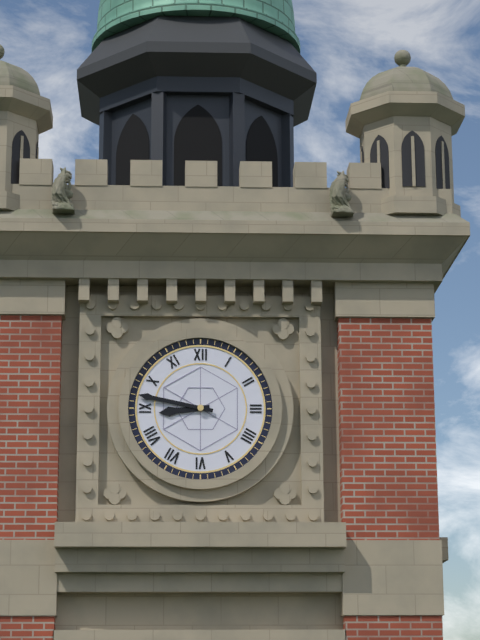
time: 8:47
